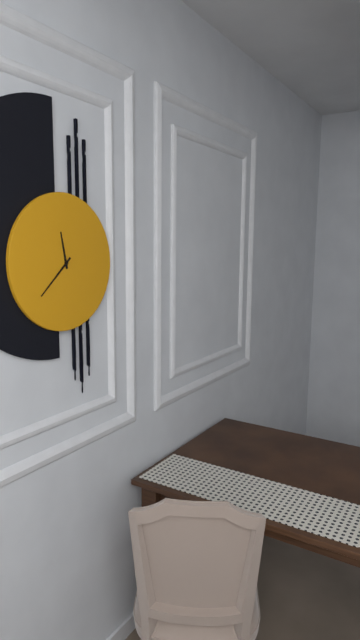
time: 11:38
